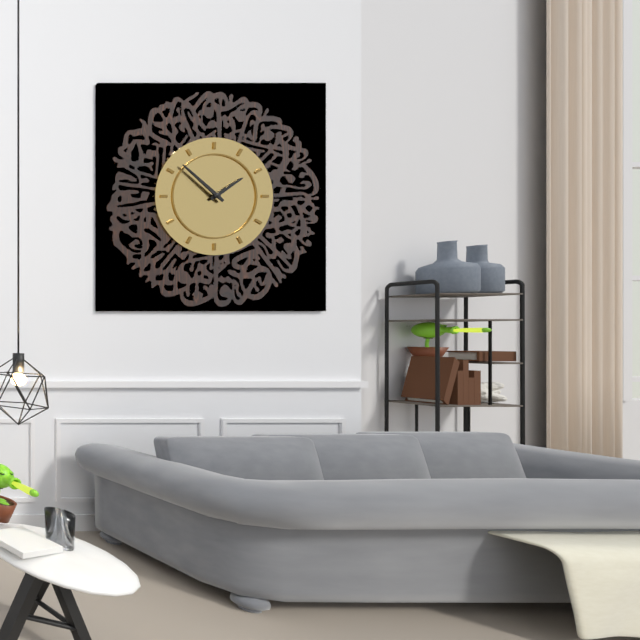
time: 1:52
